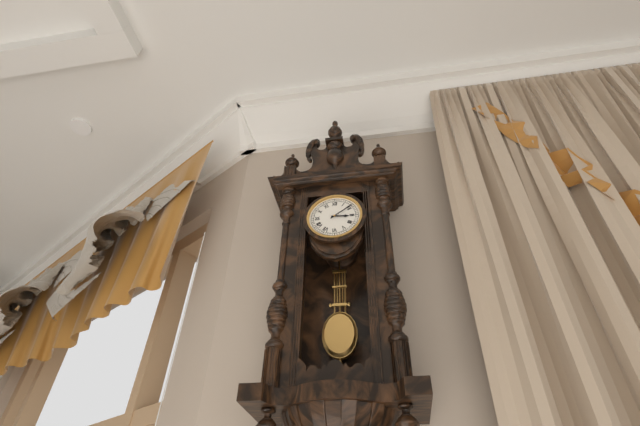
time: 3:09
